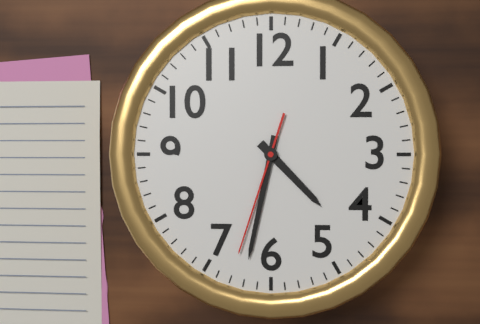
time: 4:32:33
